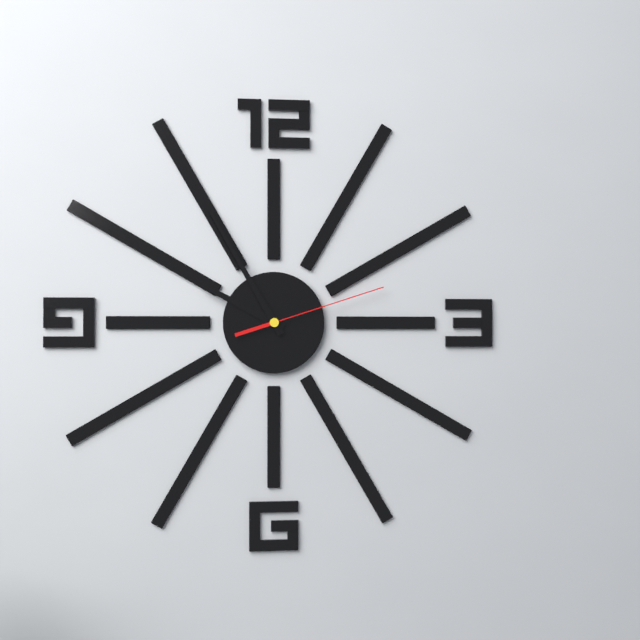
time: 9:55:12
